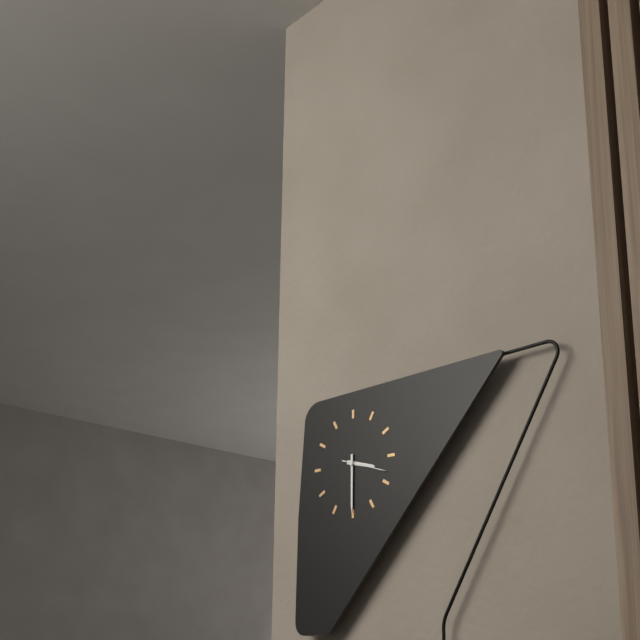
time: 3:30
